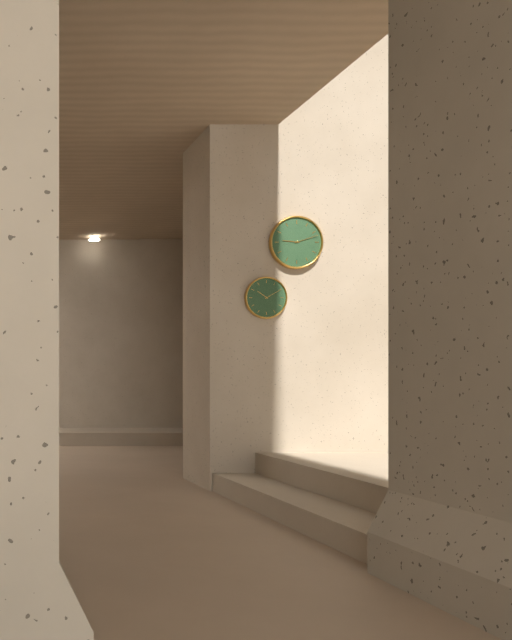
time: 9:12
